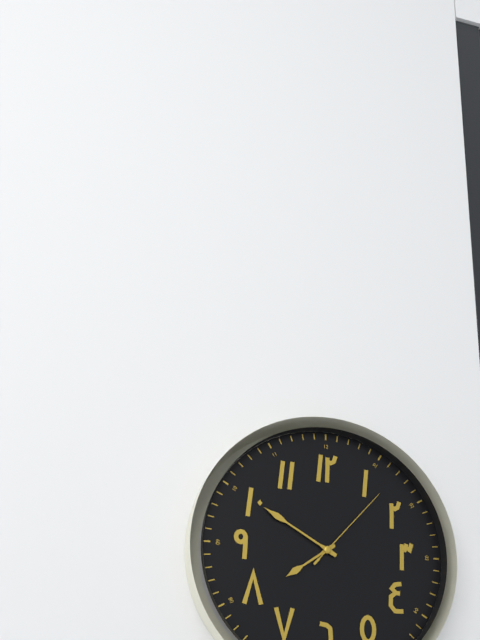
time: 7:50:07
